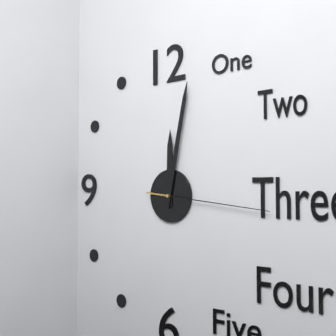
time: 12:02:16
